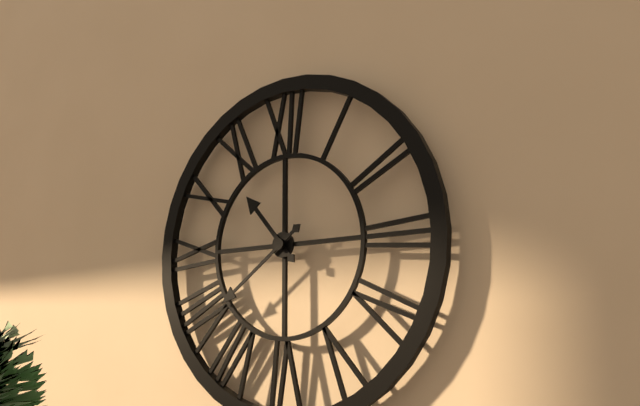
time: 10:39
